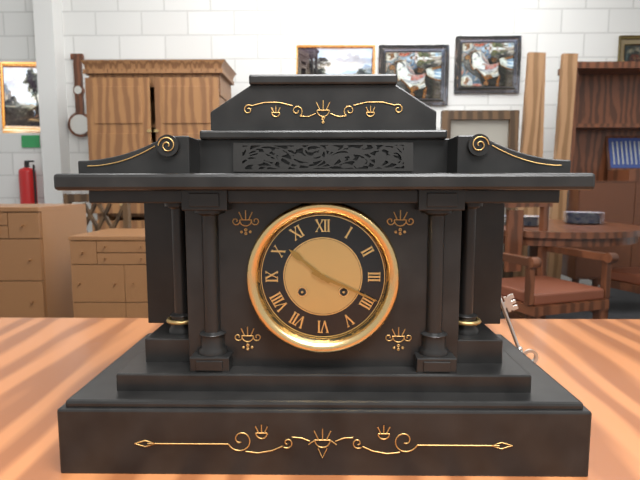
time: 10:19
